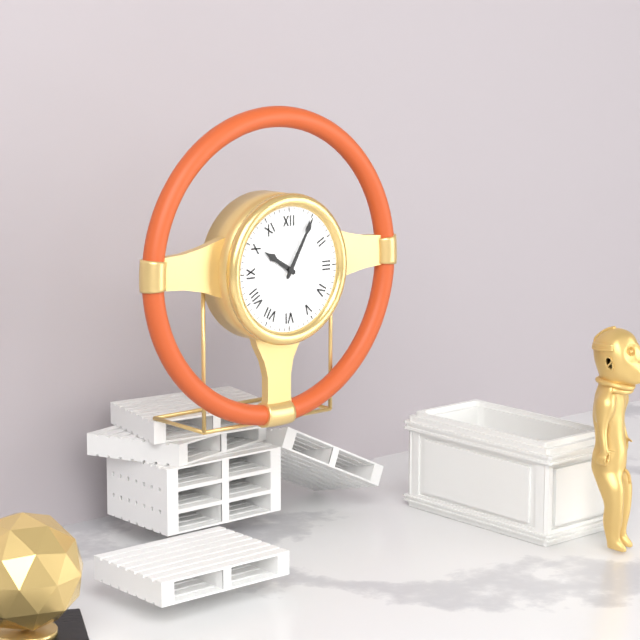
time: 10:05
